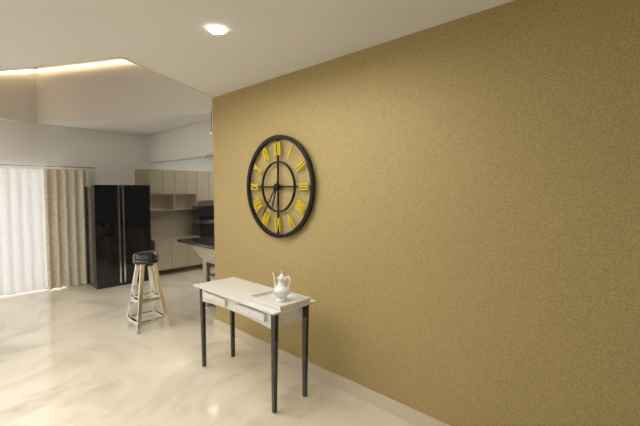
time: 6:36
